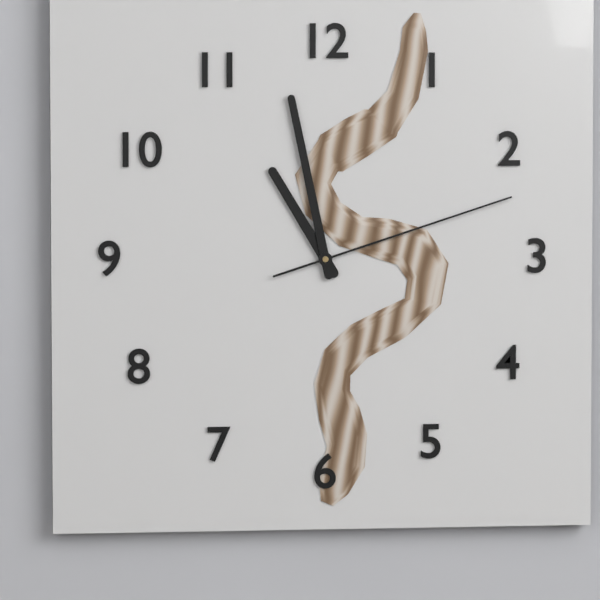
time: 10:58:12
